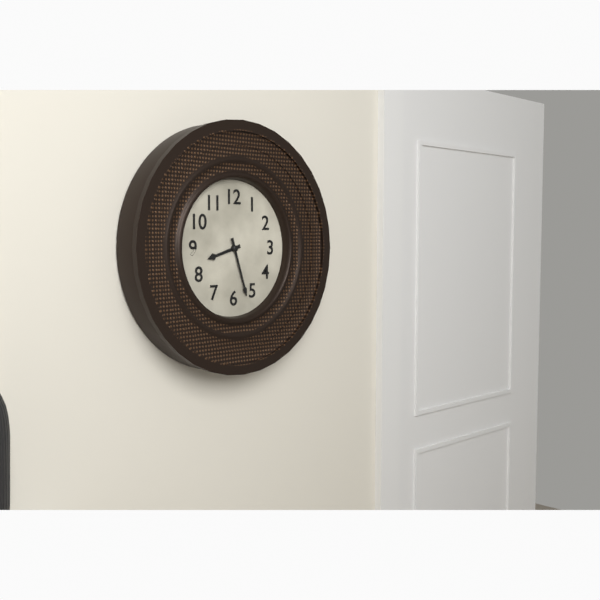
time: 8:27
